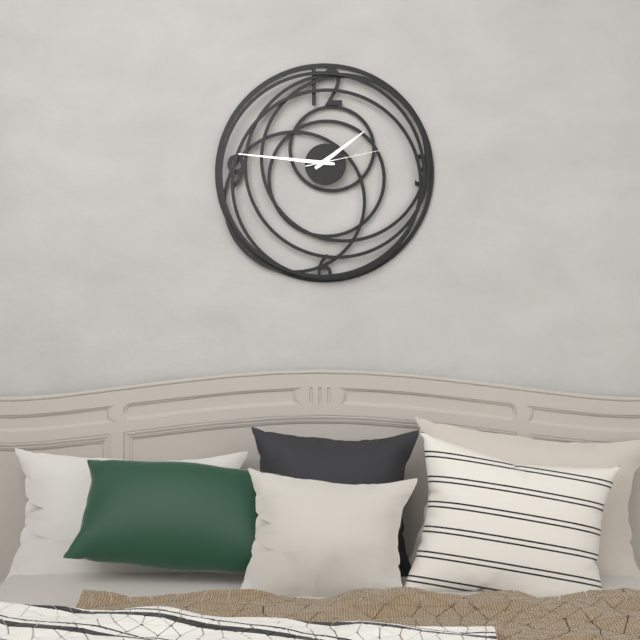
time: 1:46:13
